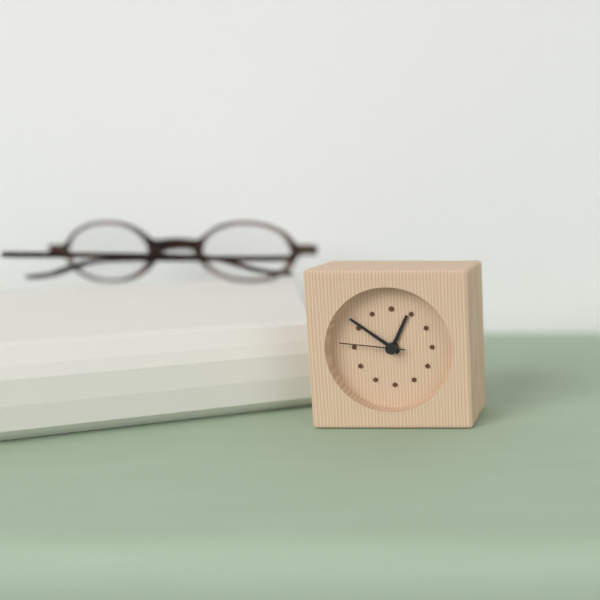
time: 12:51:46
